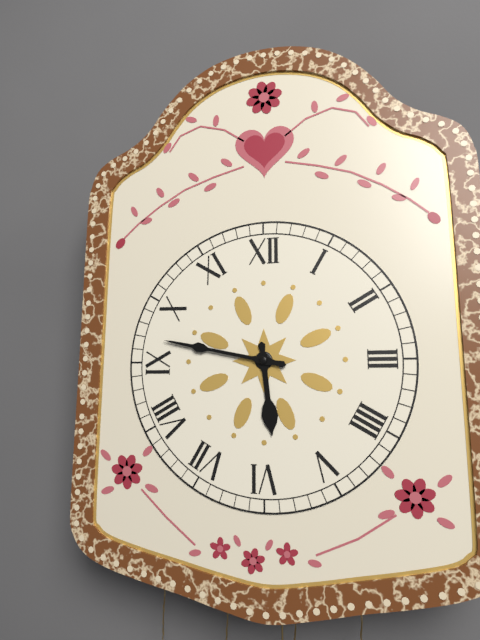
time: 5:47
